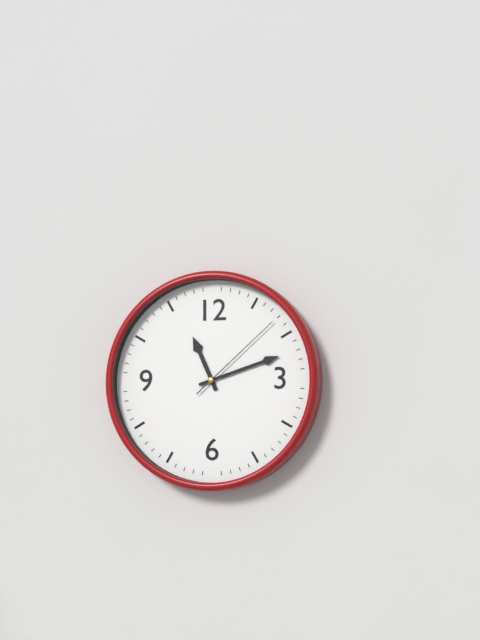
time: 11:12:08
